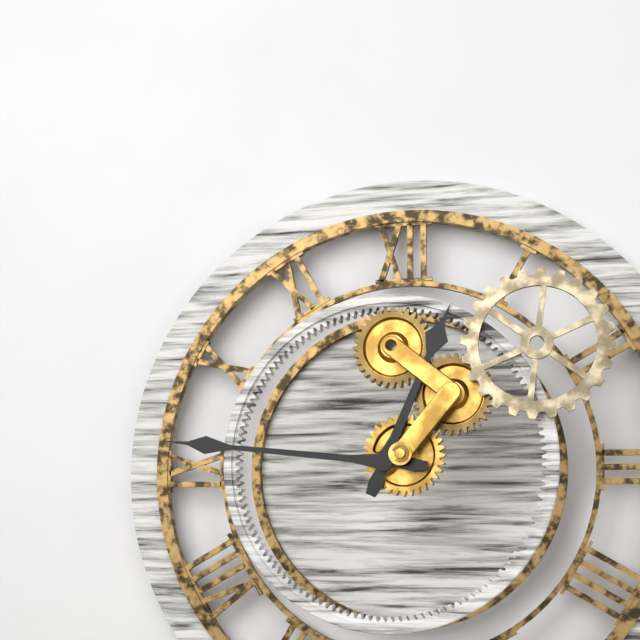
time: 12:46
